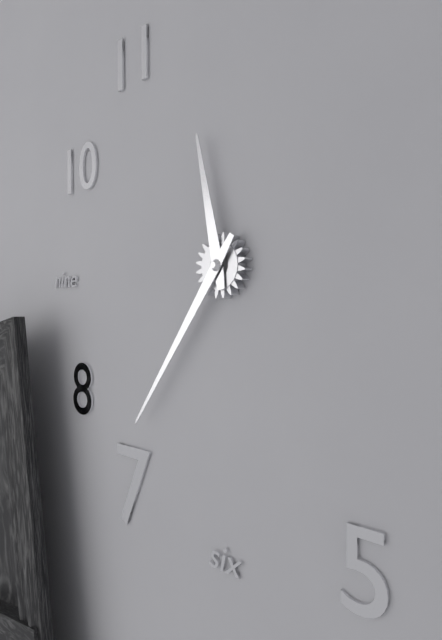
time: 11:36
